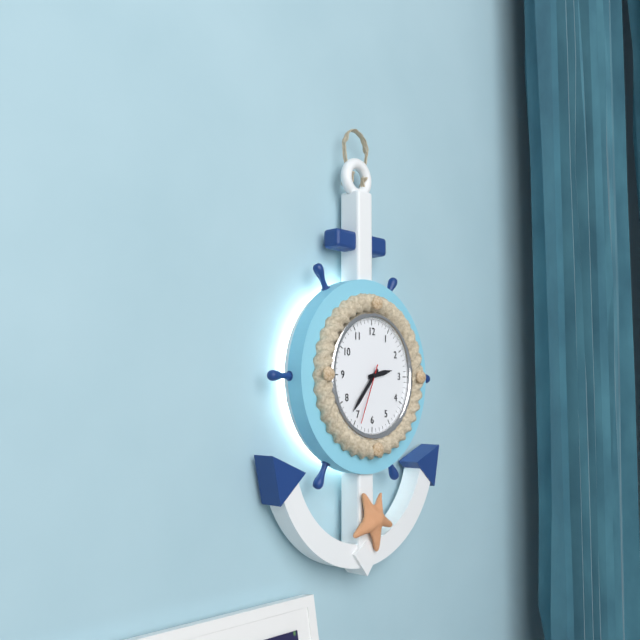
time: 2:37:34
